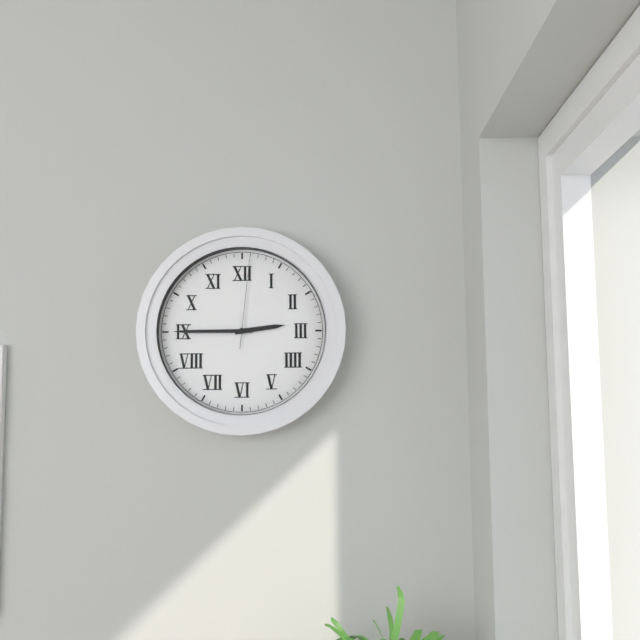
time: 2:45:01
